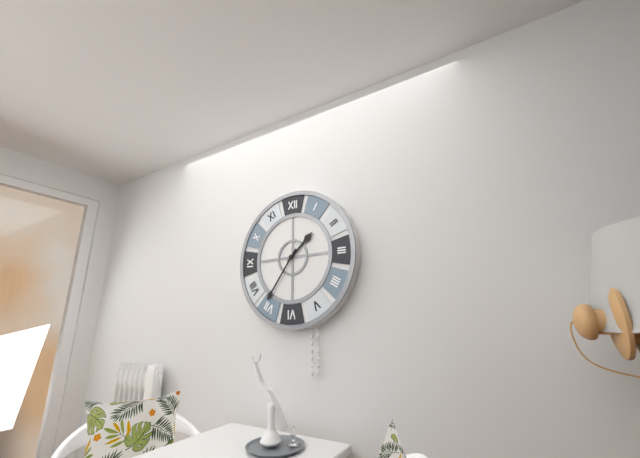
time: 1:36
